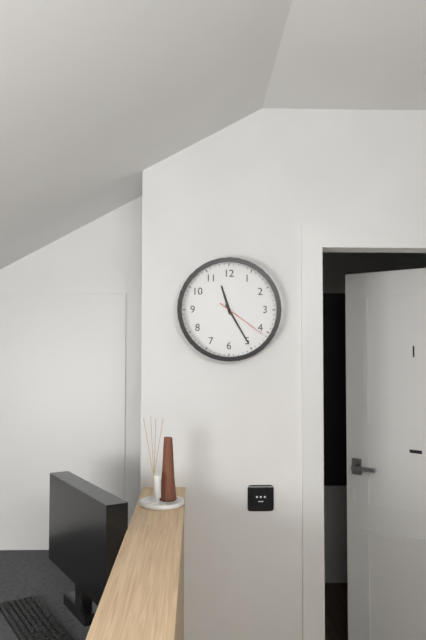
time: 11:25:21
